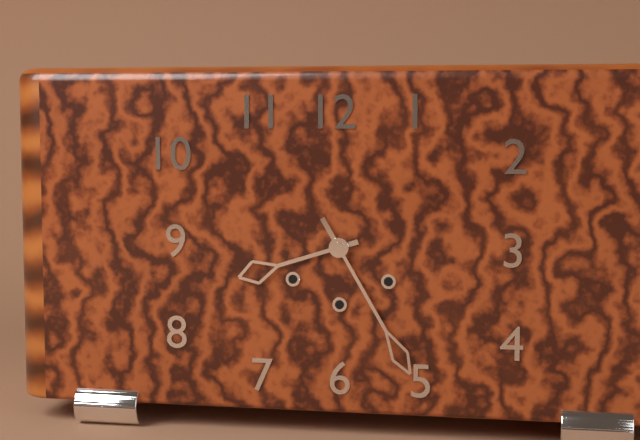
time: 8:25
